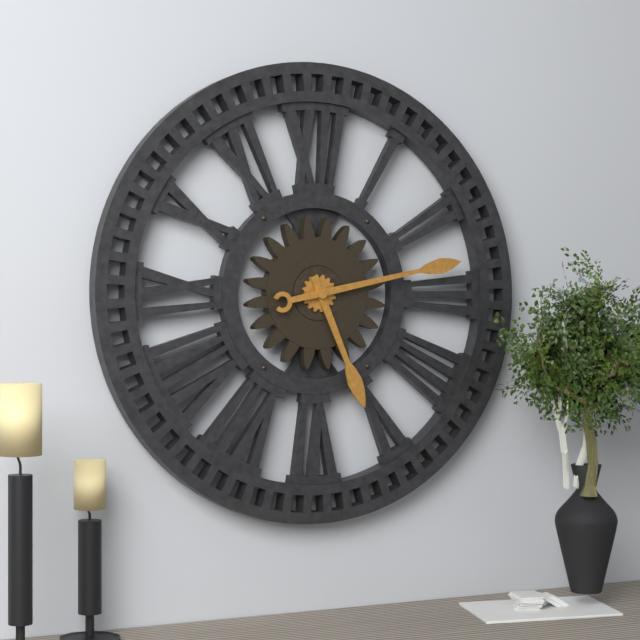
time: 5:13
